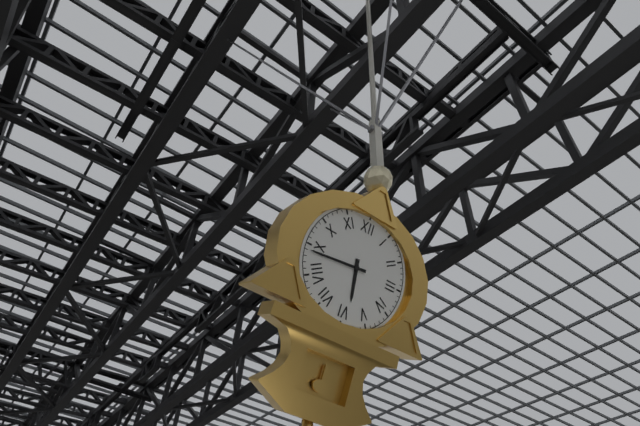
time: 5:44
